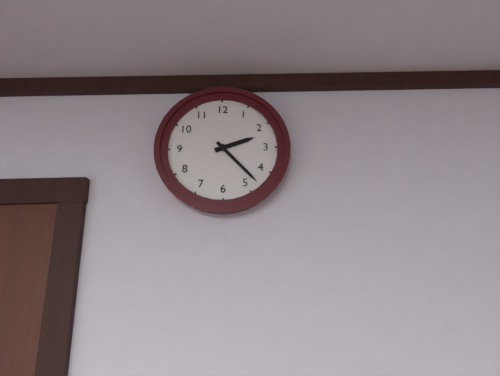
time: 2:23
